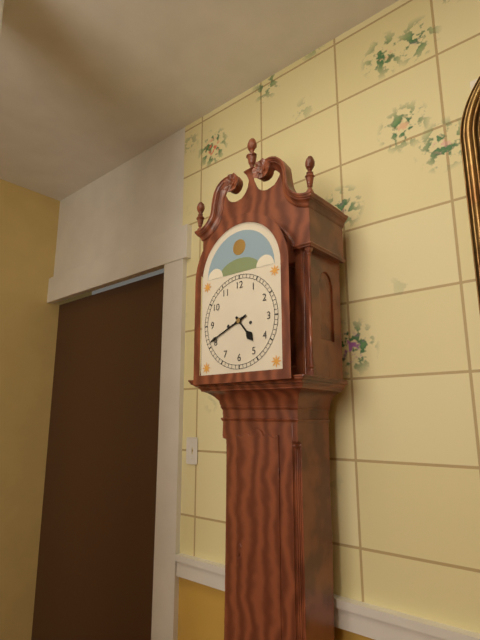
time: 4:41
